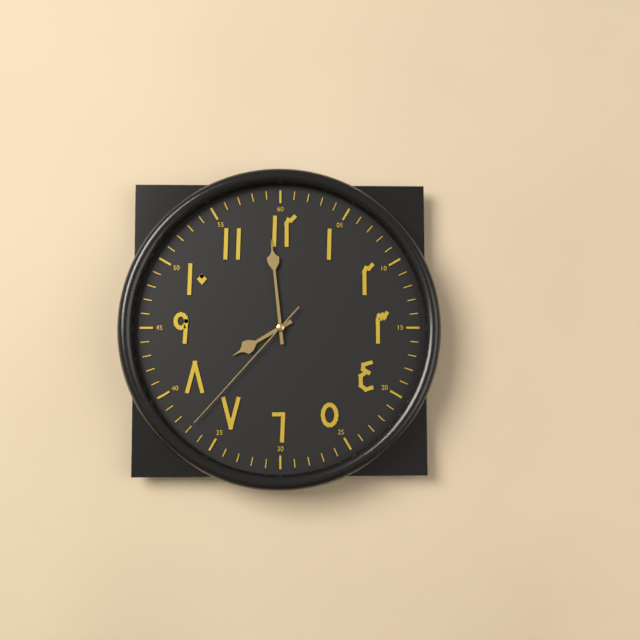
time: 7:59:37
